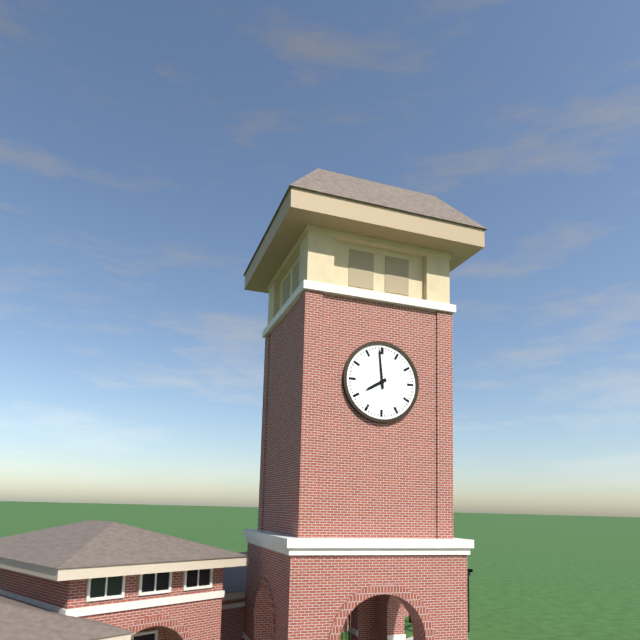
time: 7:59
